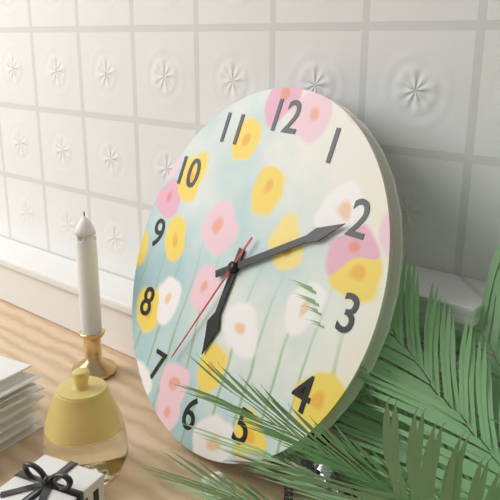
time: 6:10:34
